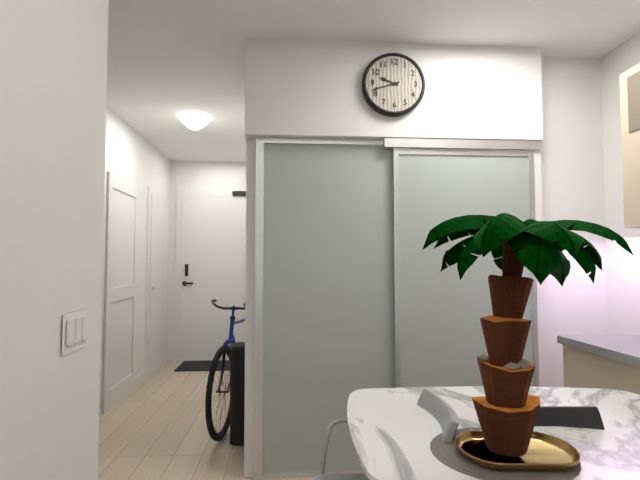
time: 9:42
